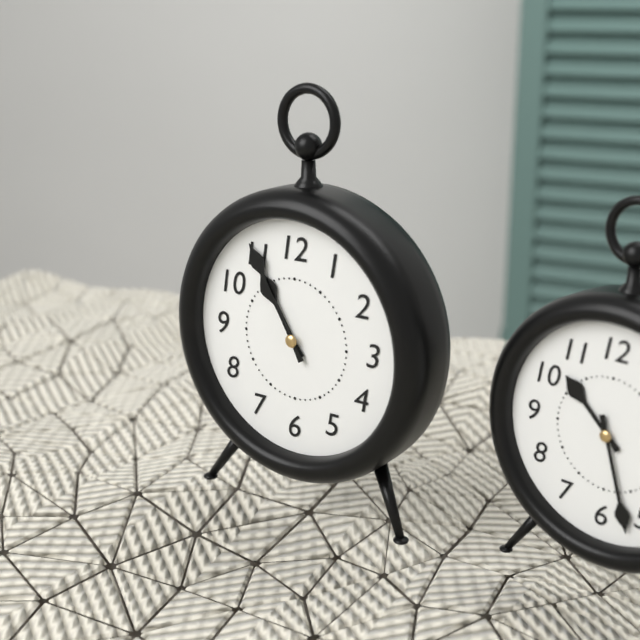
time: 10:55
